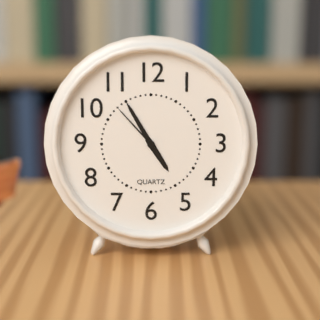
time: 4:55:53
